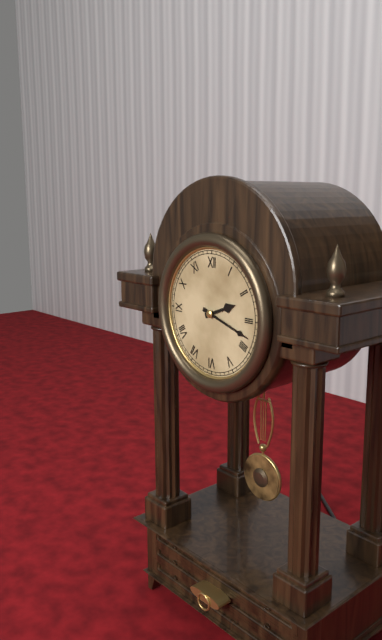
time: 2:18
